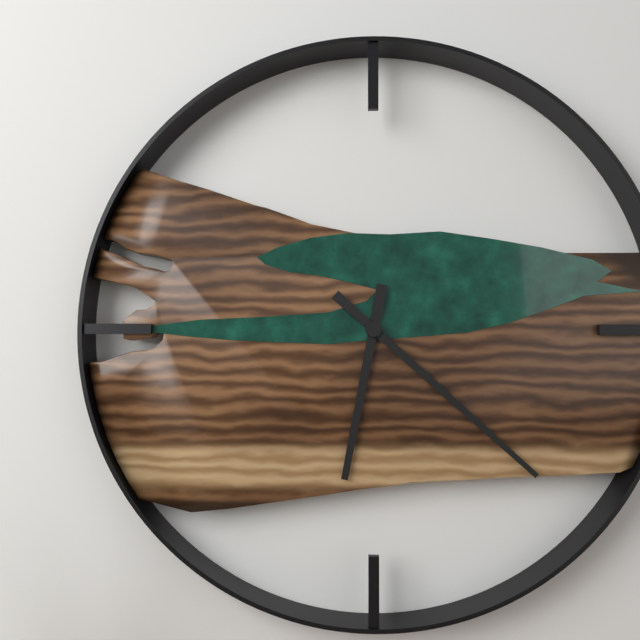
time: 6:22
